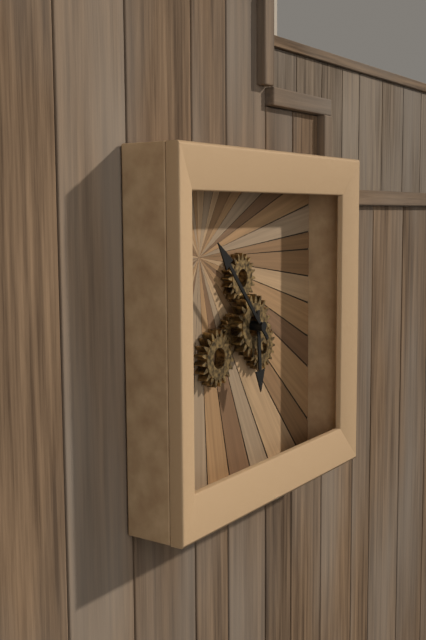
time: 5:53
